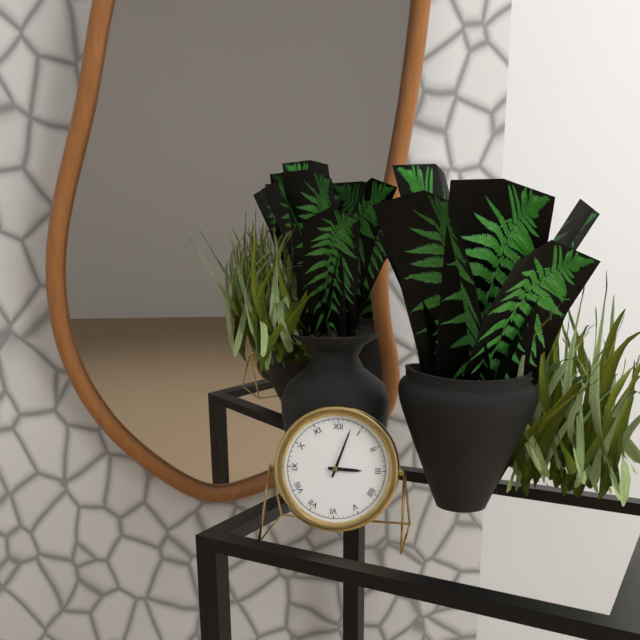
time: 3:03
